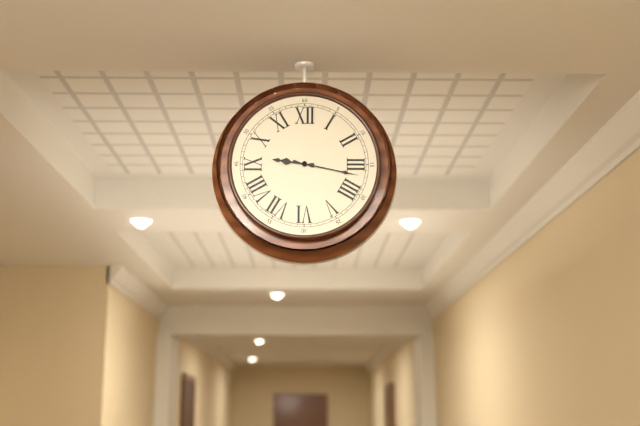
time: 9:17
